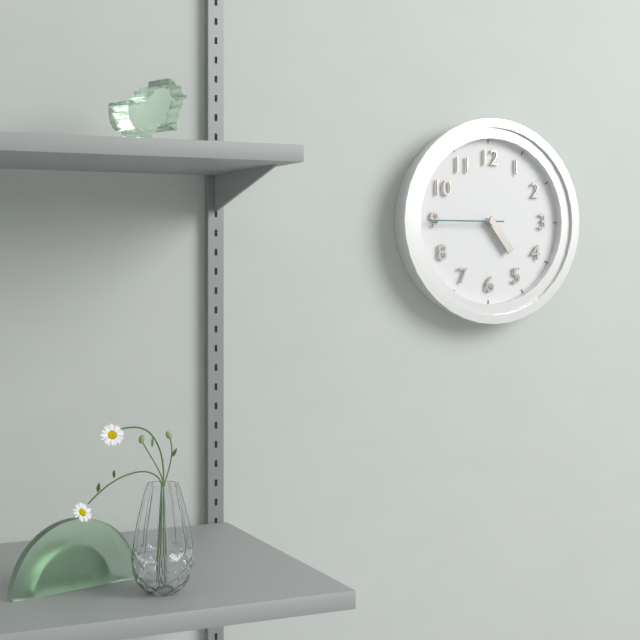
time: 4:45
